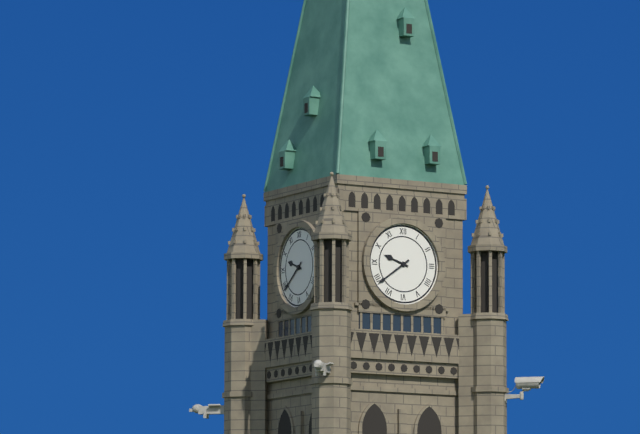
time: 9:39
